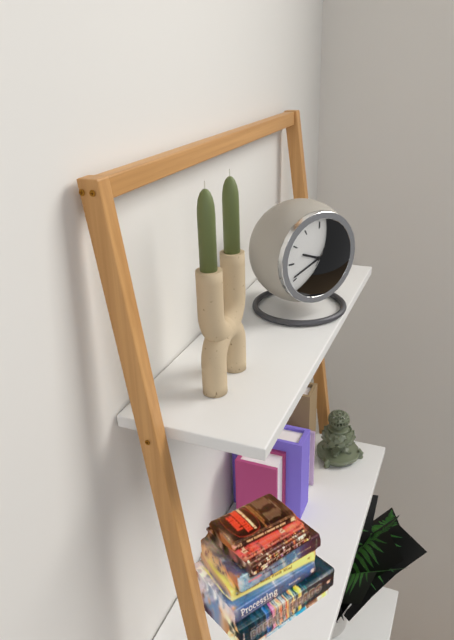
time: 9:41
